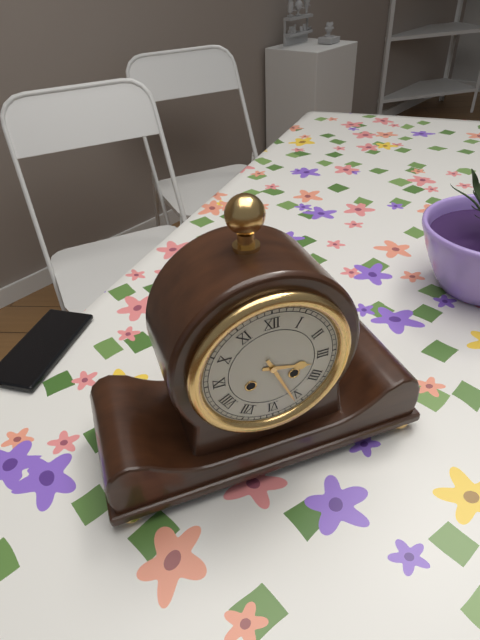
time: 3:26
